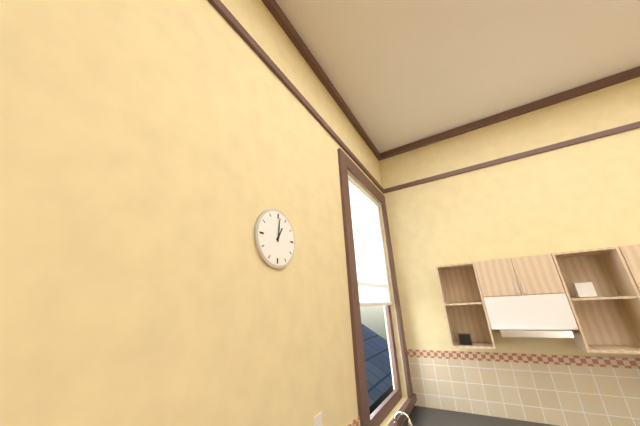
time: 1:01
